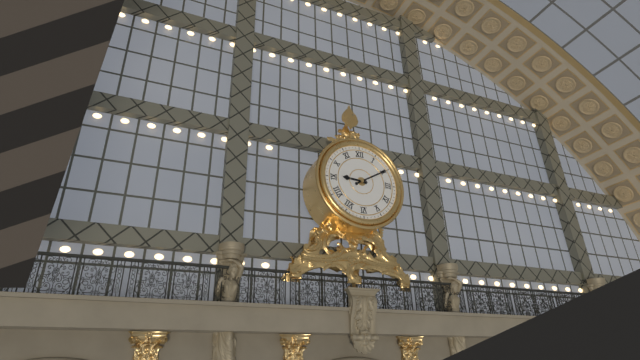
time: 9:10
